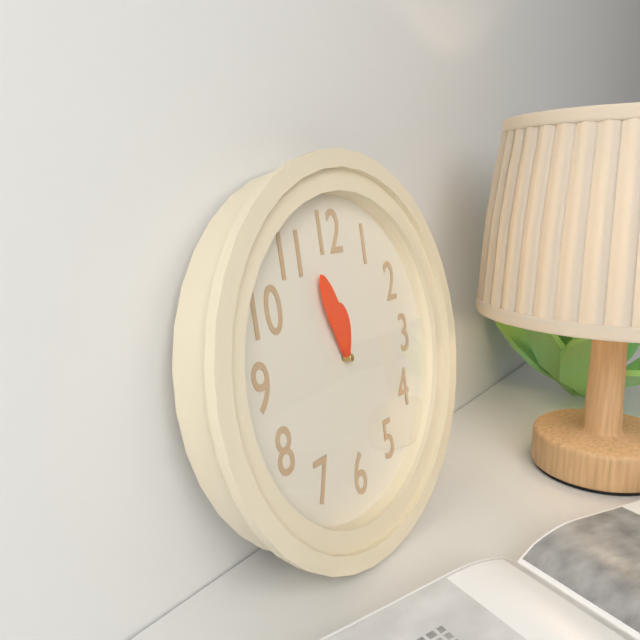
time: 11:57
